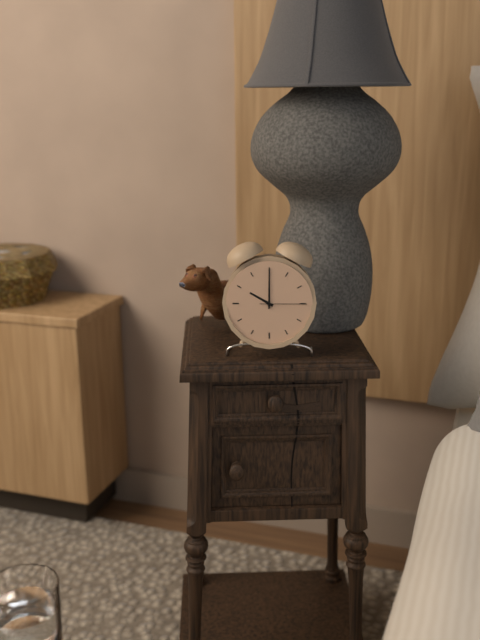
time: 10:00
